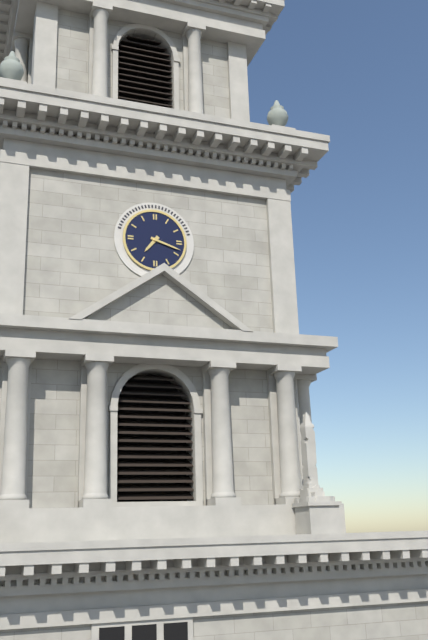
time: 7:18
